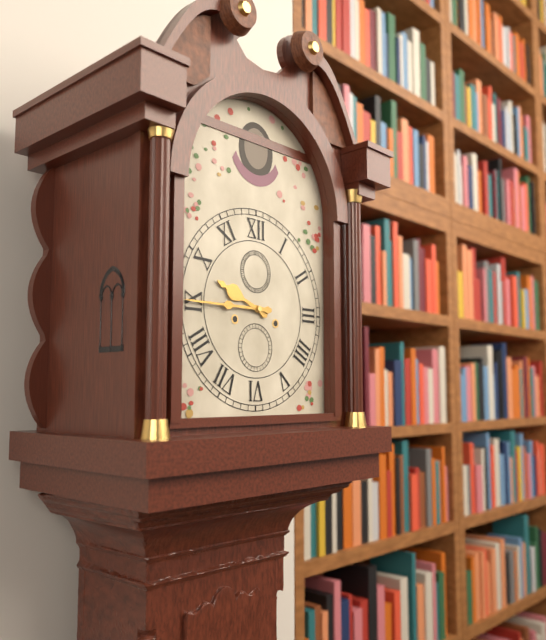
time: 9:45
